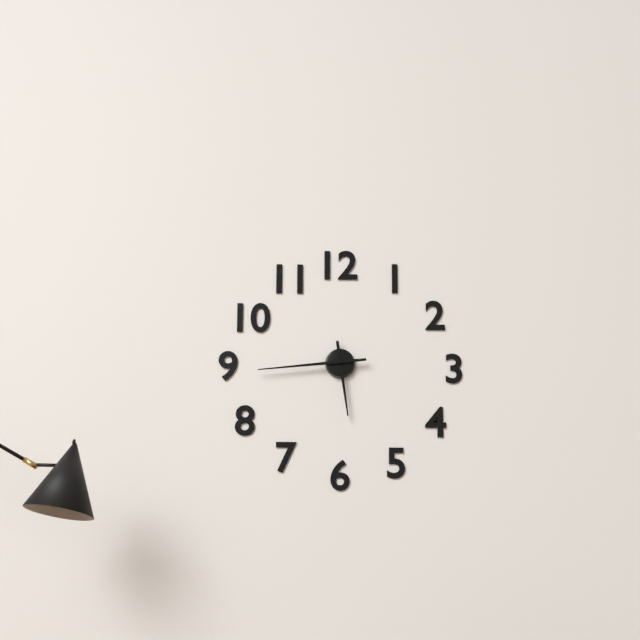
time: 5:44
